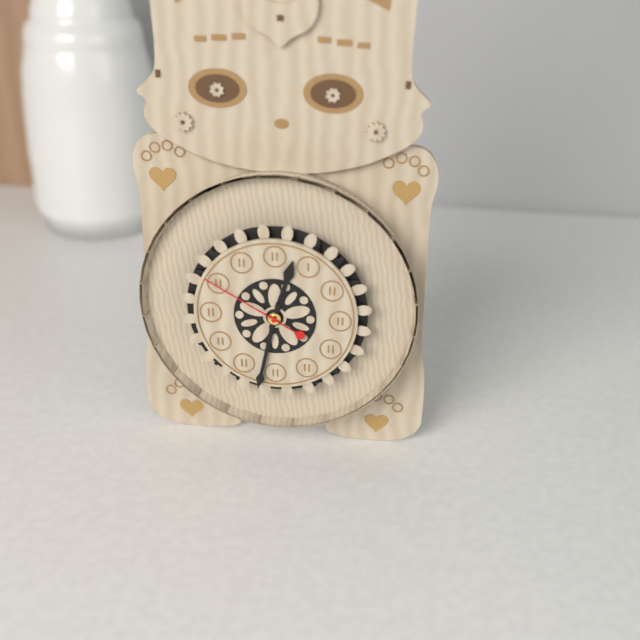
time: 12:32:50
